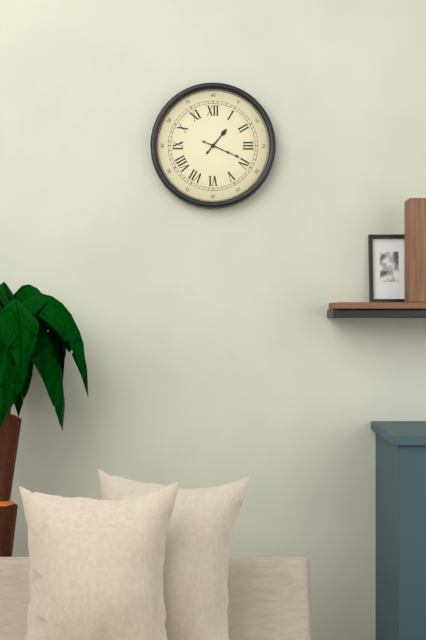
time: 1:19
